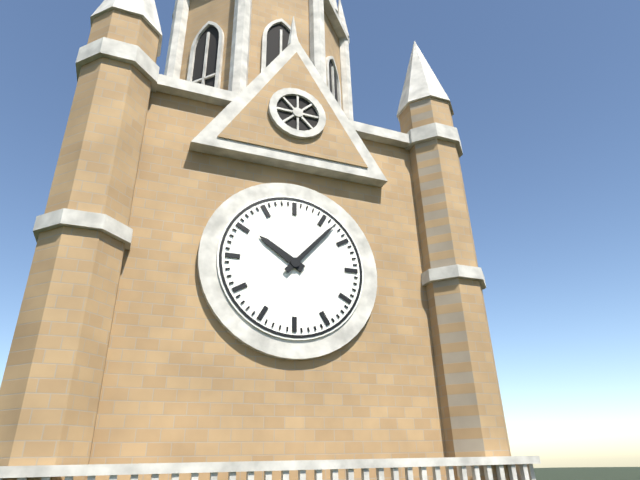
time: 10:07
